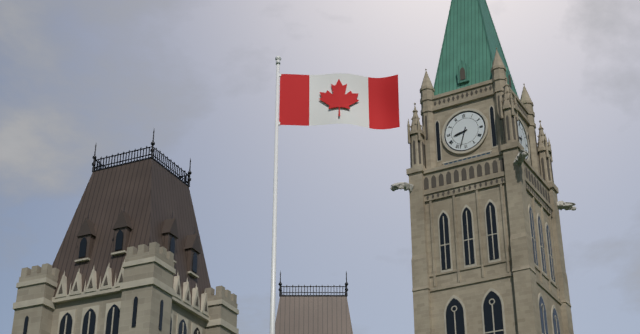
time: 8:33
